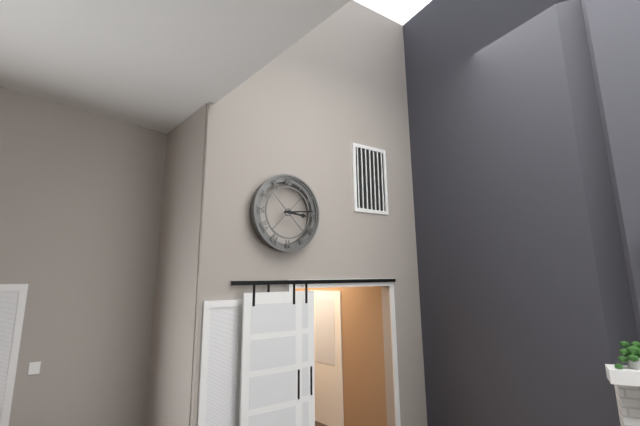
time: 3:14
